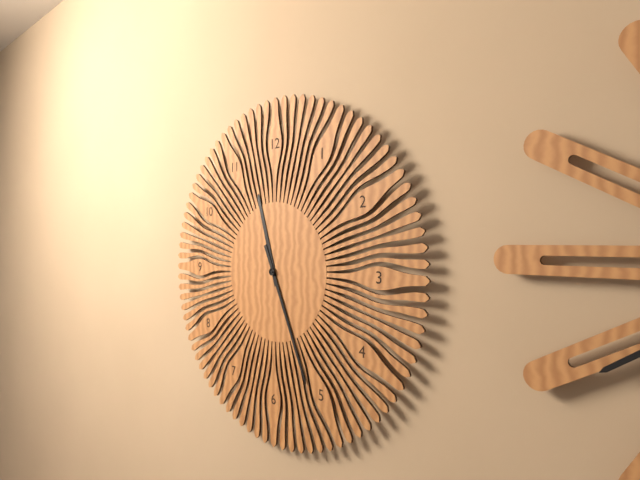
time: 11:26
